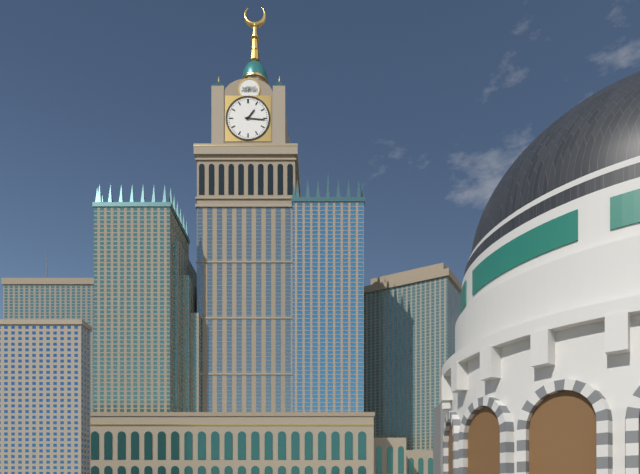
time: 1:16
